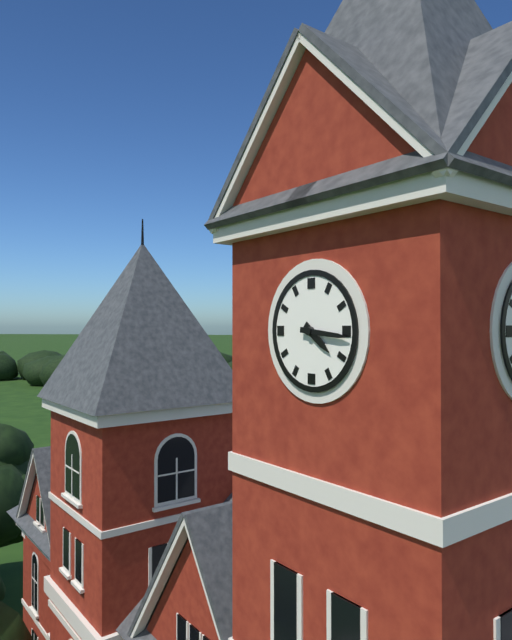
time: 4:16
